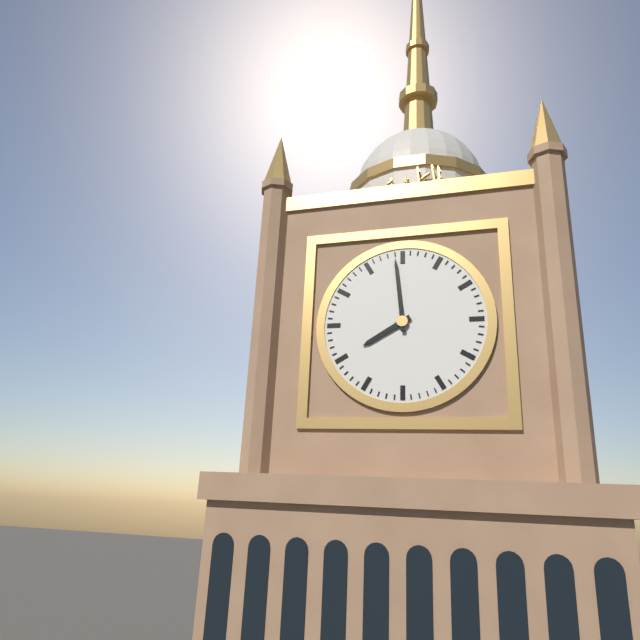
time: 7:59
